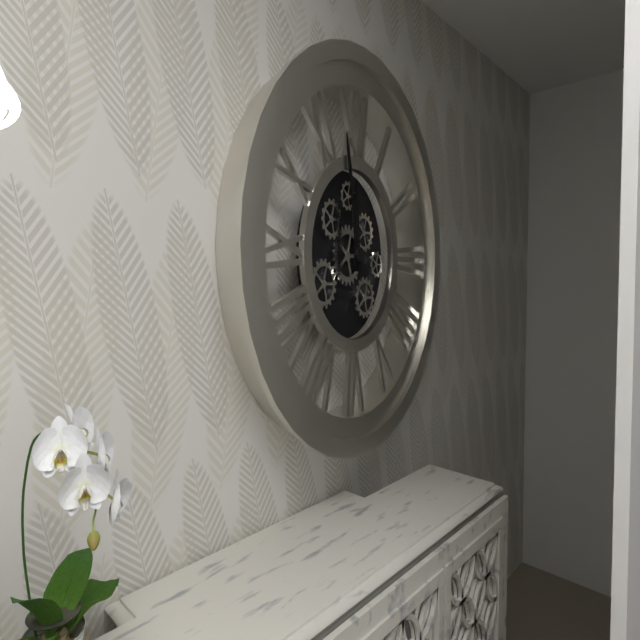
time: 11:58
